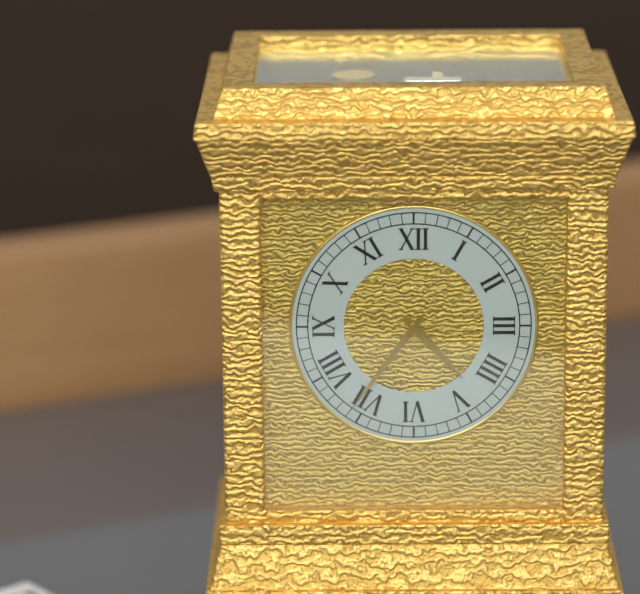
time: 4:36
